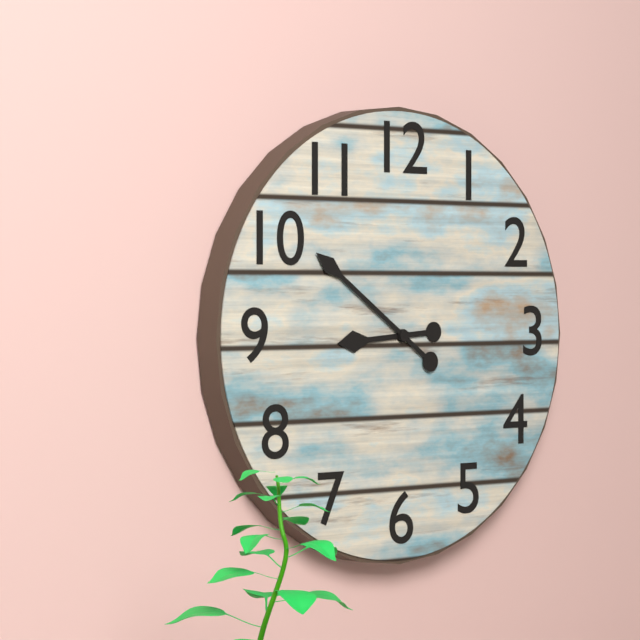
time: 8:51
